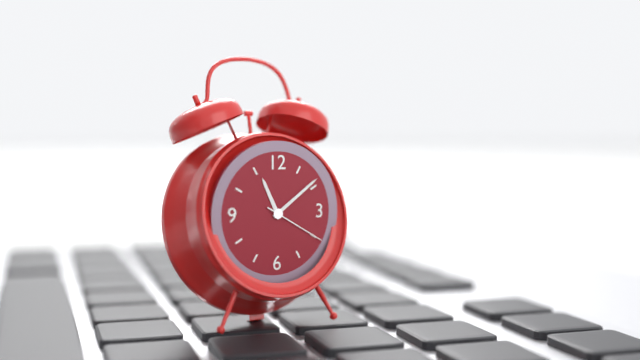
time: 11:09:20
